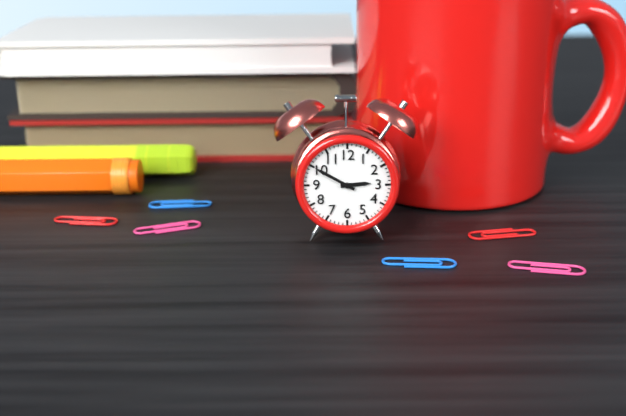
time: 2:50
